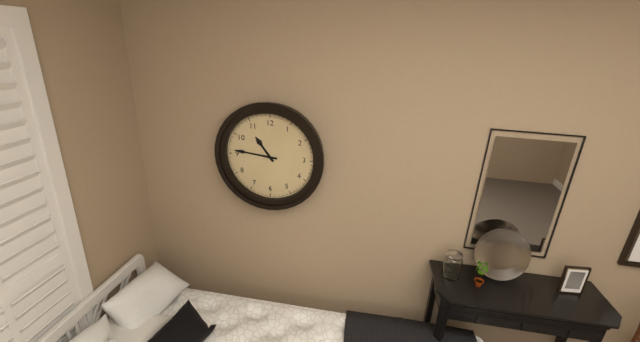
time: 10:46
